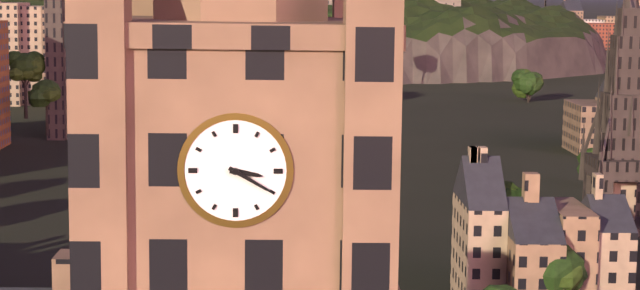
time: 3:20
